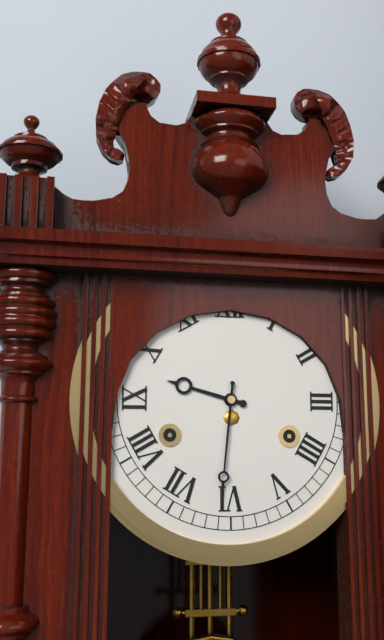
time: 9:31
